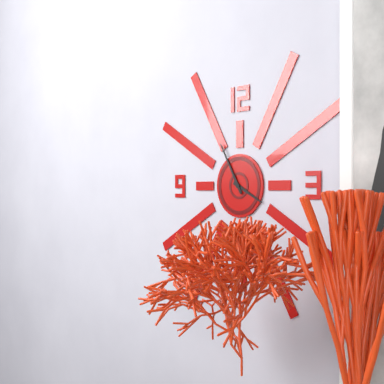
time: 3:55
